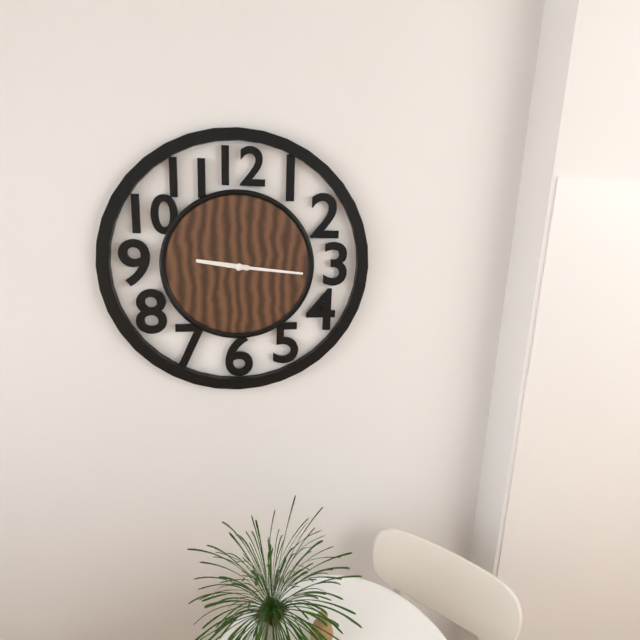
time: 9:16
